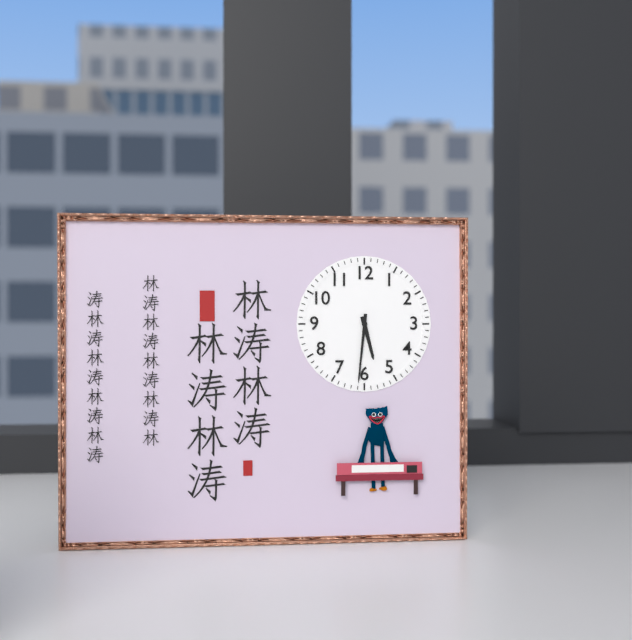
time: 5:31
